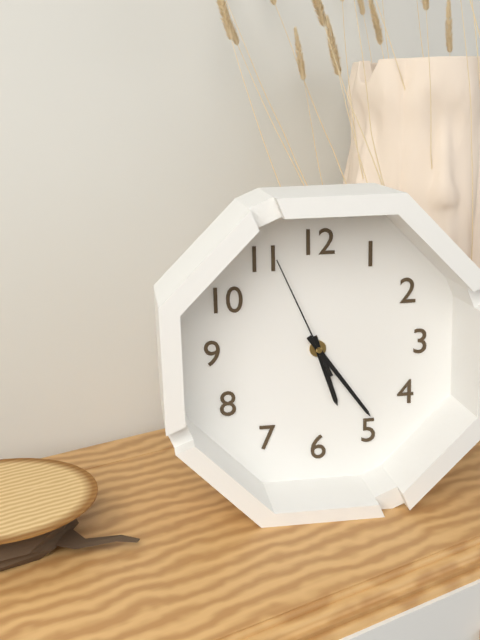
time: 5:24:56
